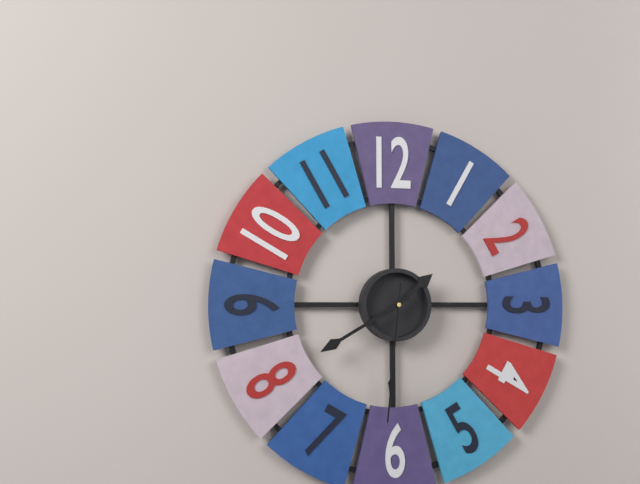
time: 1:40:31
